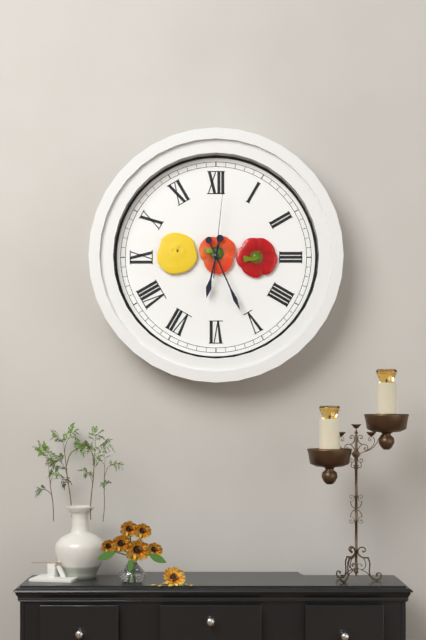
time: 6:26:01
